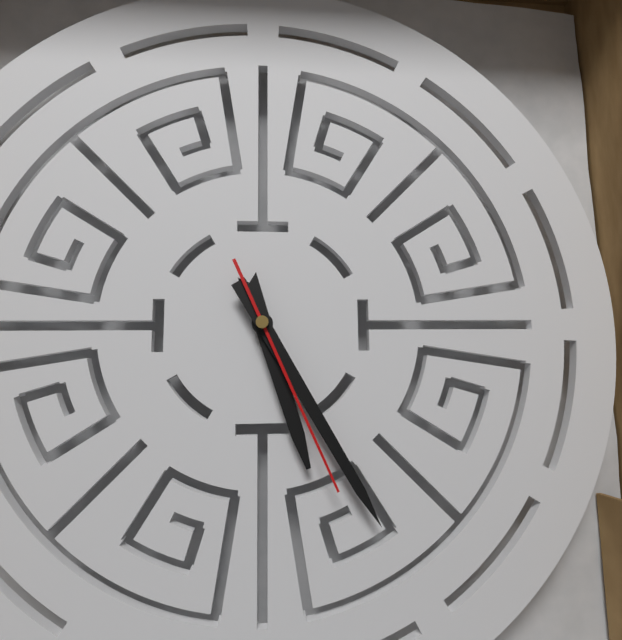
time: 5:25:26
